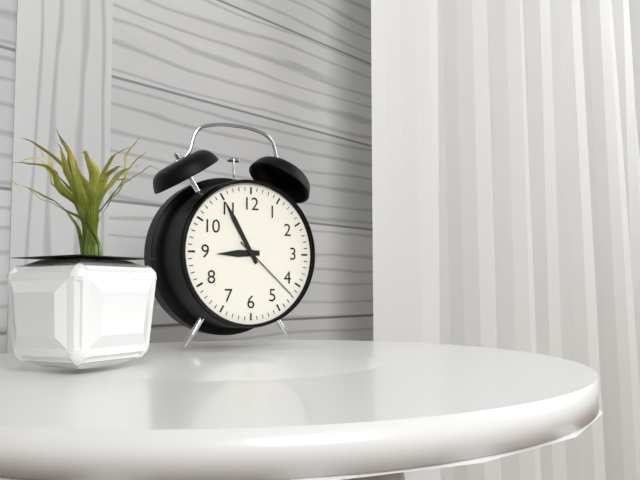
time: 8:55:22
